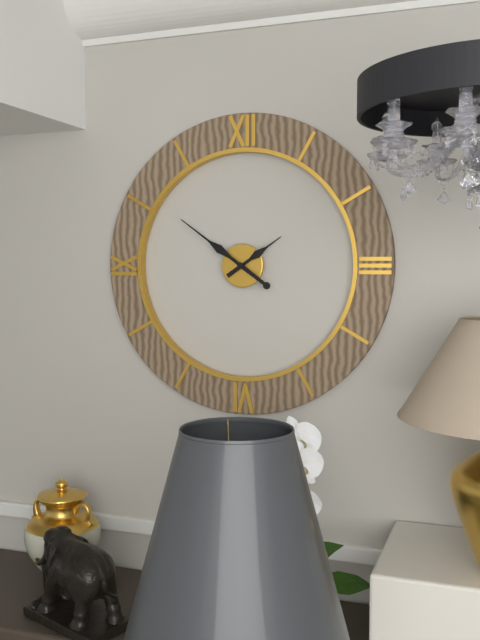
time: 1:51
